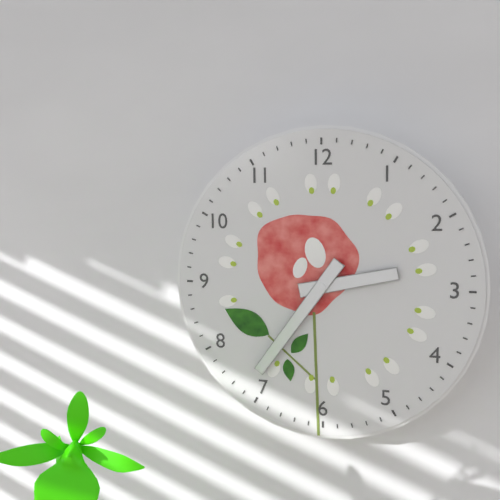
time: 2:36
